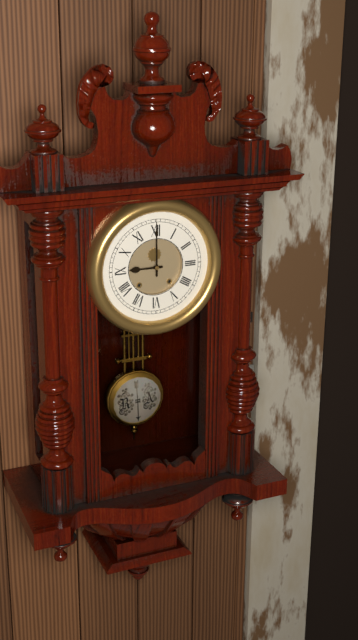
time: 9:00
